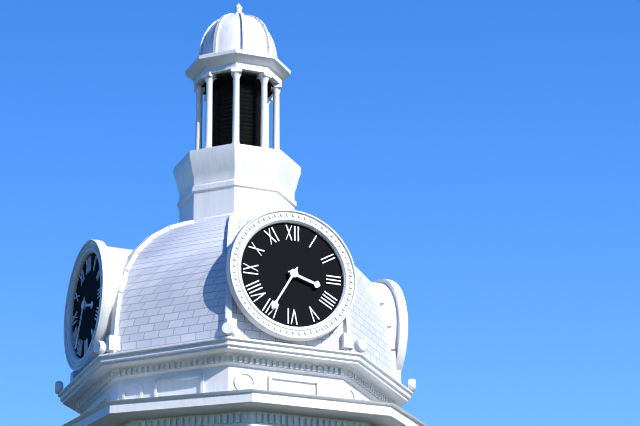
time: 3:35
